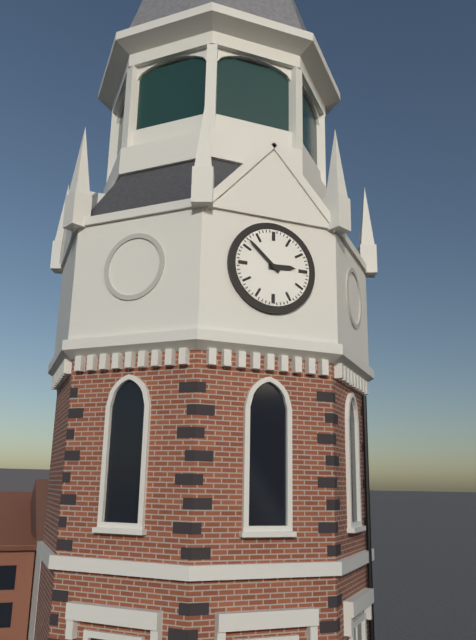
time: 2:52
